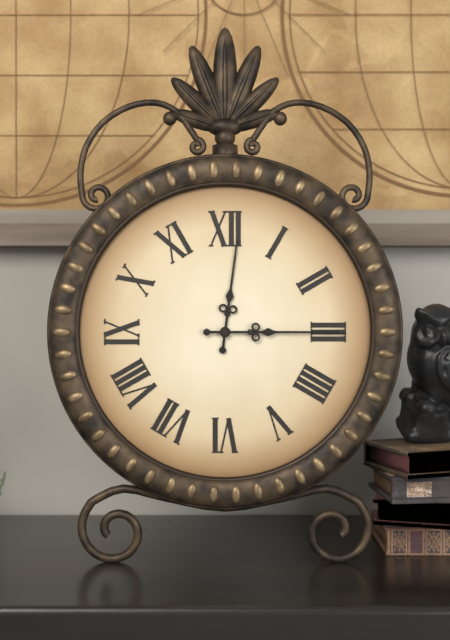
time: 12:15
